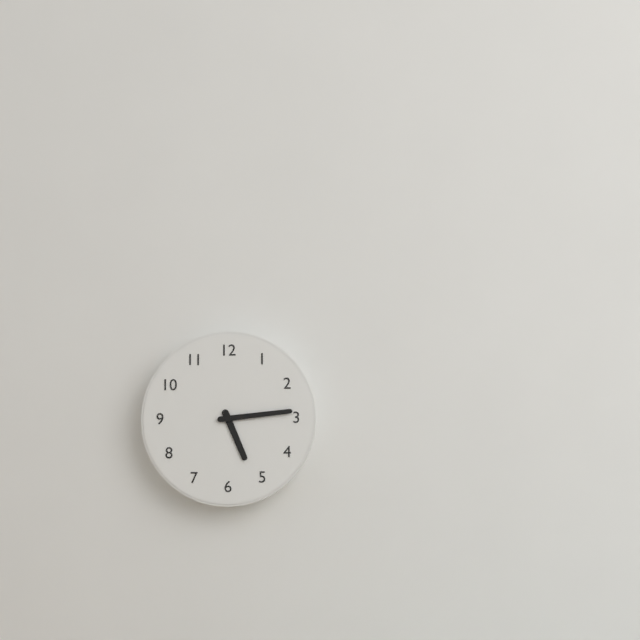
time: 5:14
